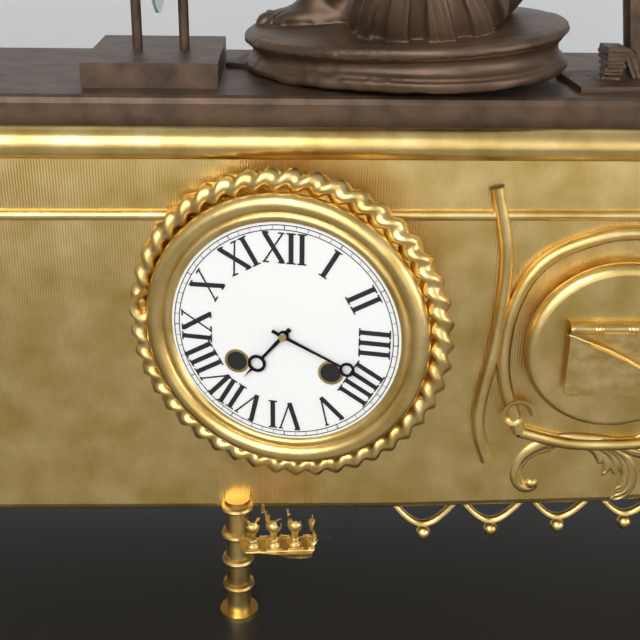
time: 7:19
